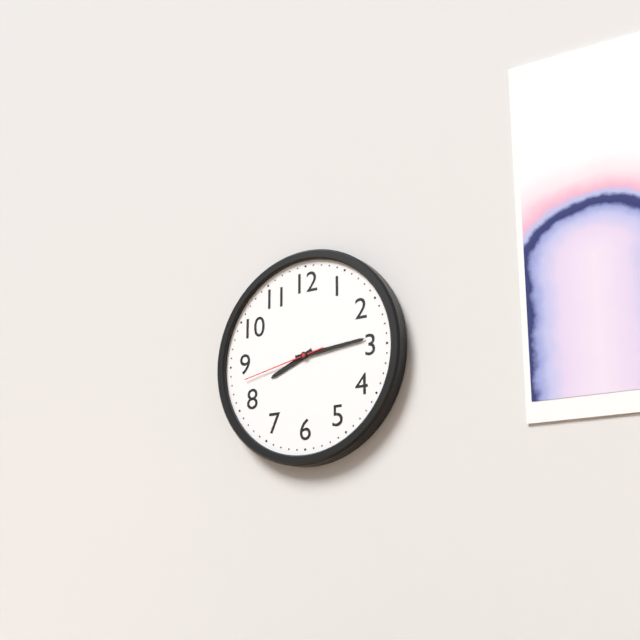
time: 8:14:43
